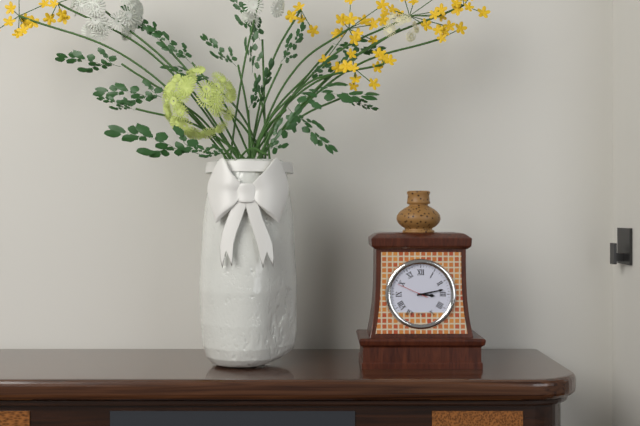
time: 3:13
